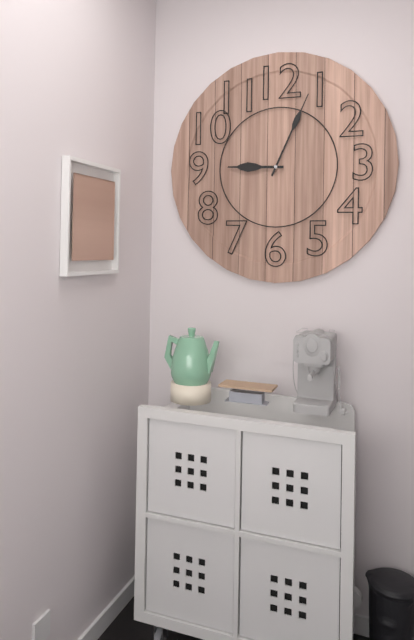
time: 9:04
